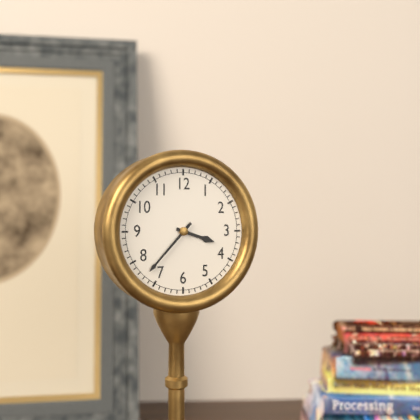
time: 3:37
